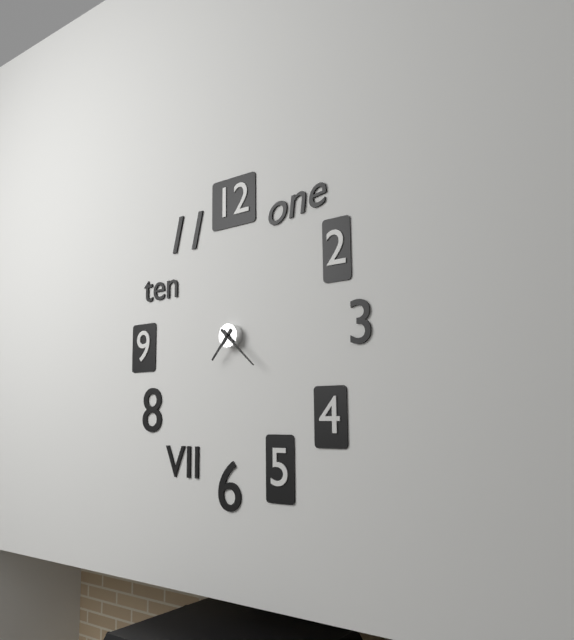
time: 7:22
